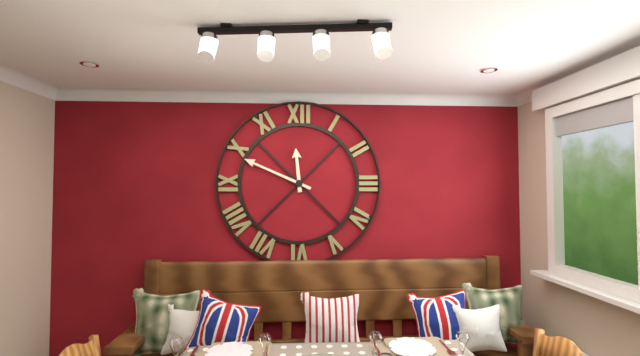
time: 11:49
